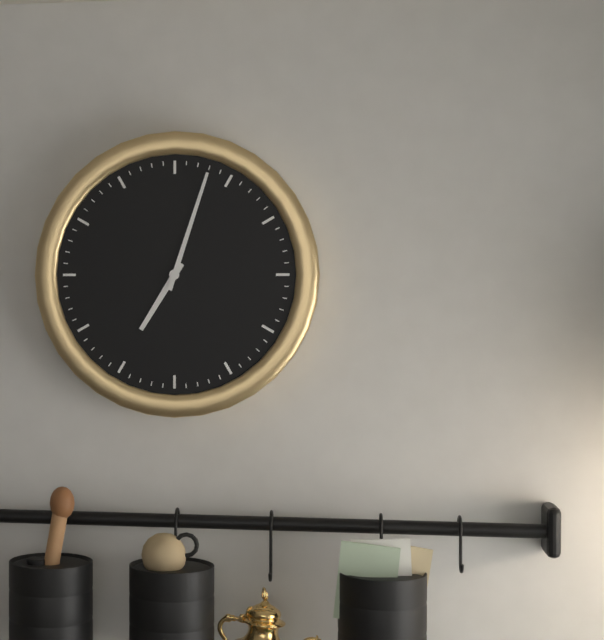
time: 7:03
